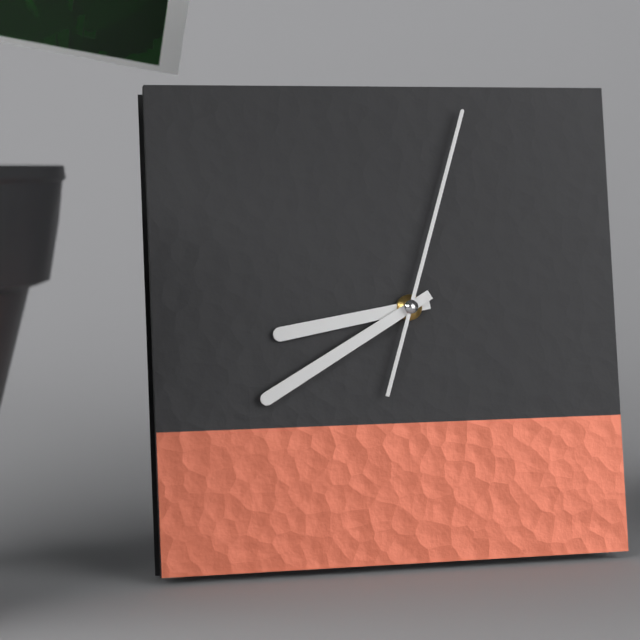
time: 8:40:03
